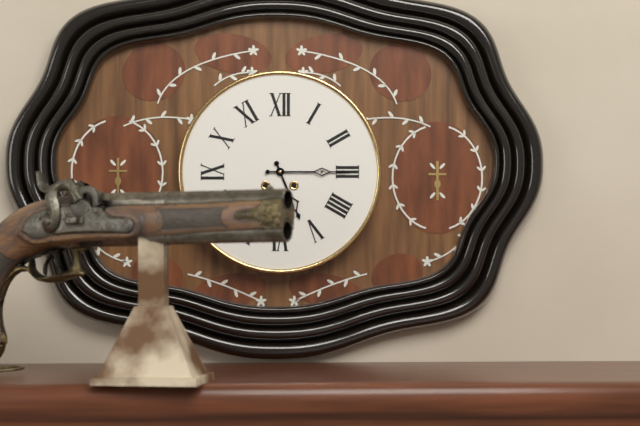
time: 5:15
